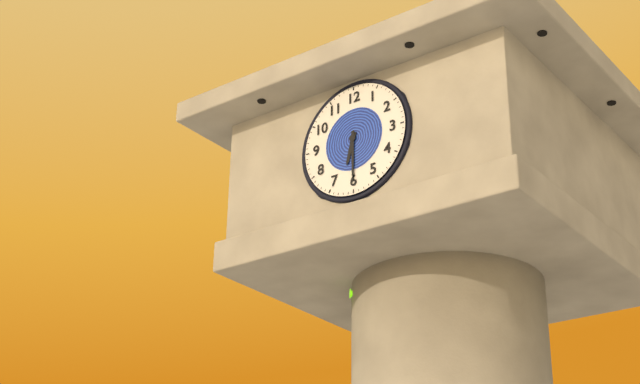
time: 6:30
